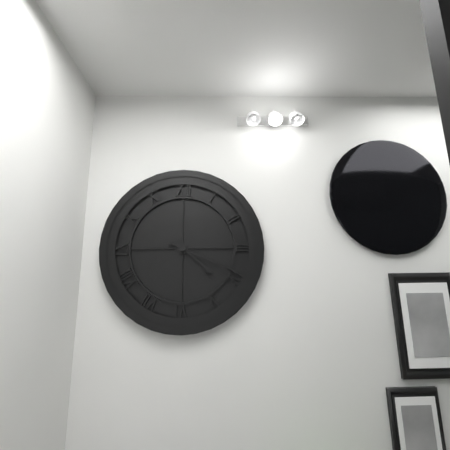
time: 4:19
